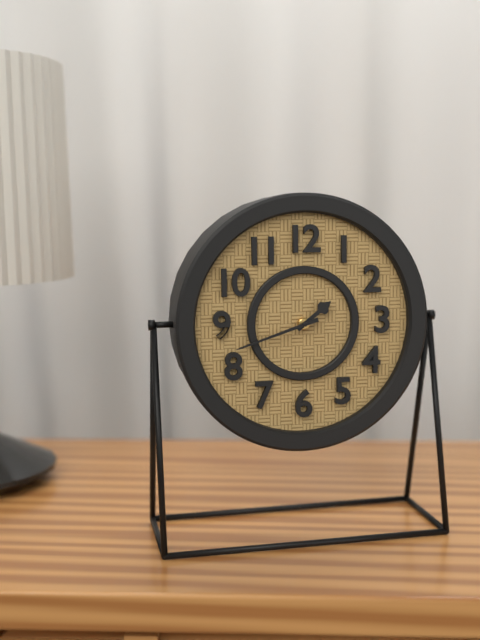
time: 1:42
